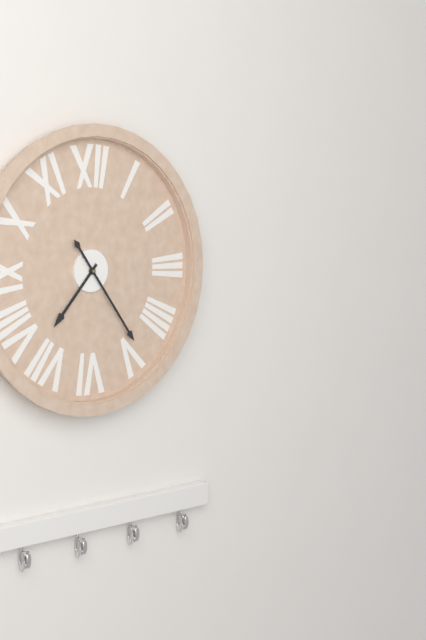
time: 7:24
